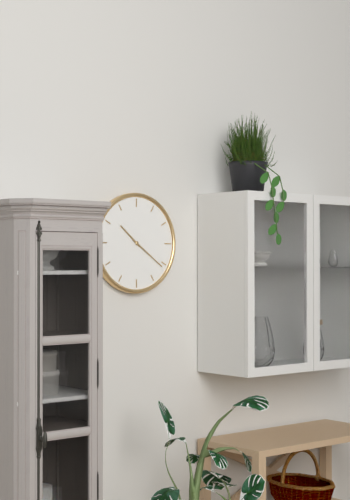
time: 10:21
